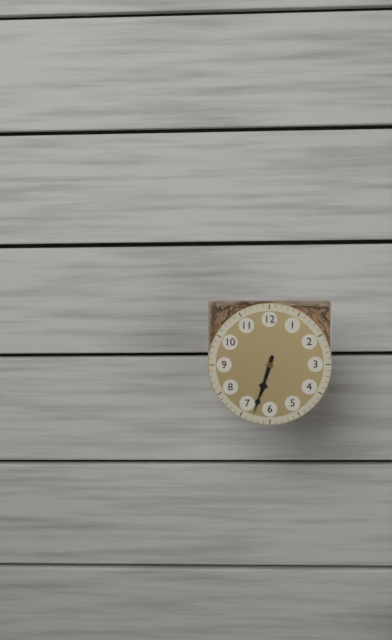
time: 6:33
